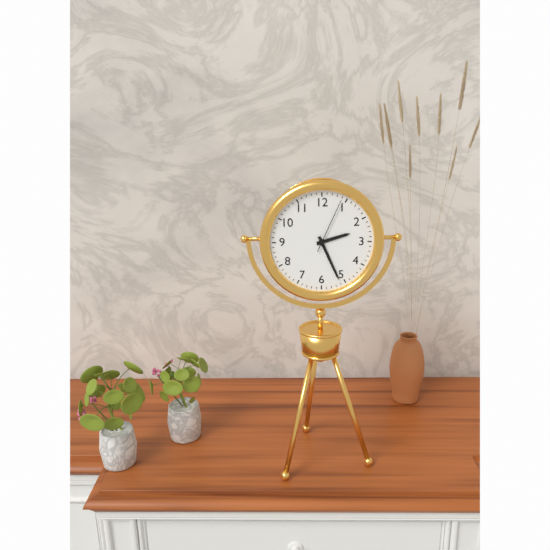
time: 2:26:04
